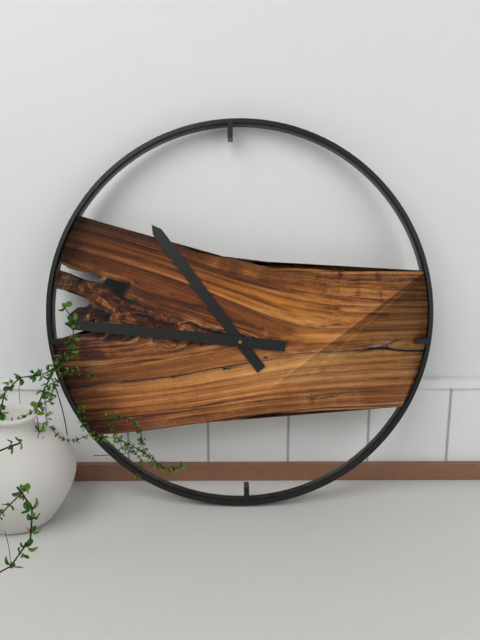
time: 10:46
